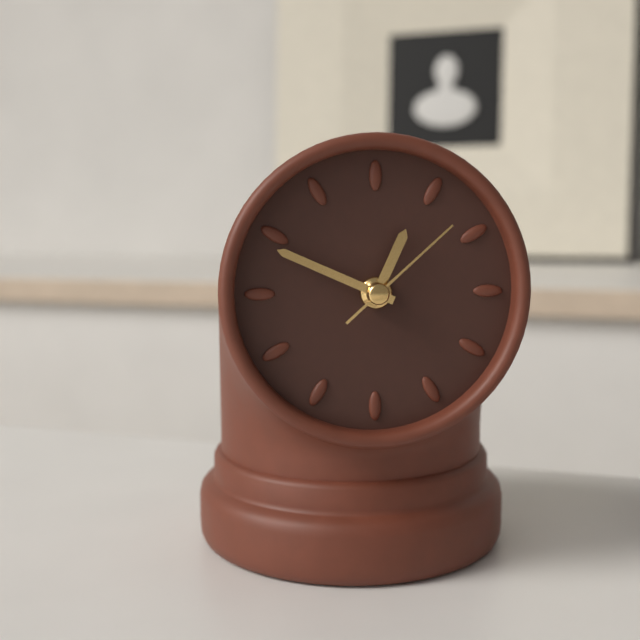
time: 12:49:08
